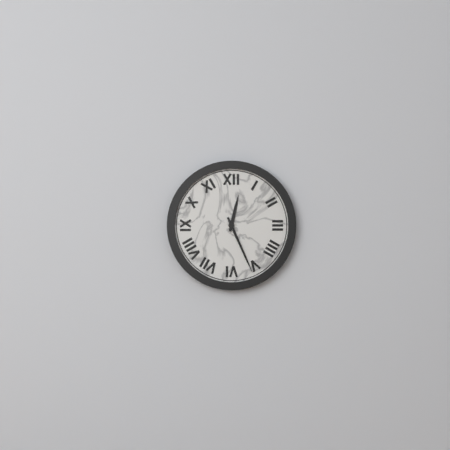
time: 12:26
